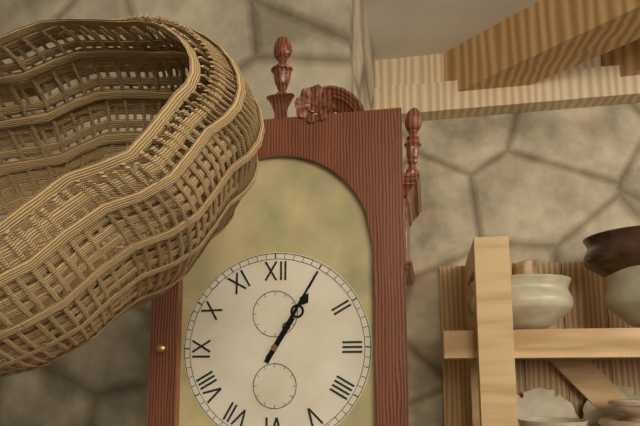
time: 1:05
